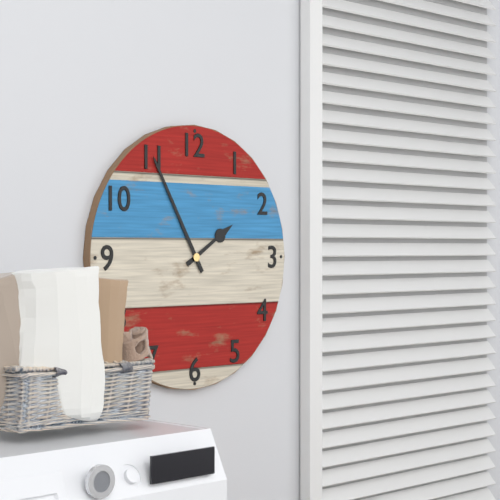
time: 1:55
